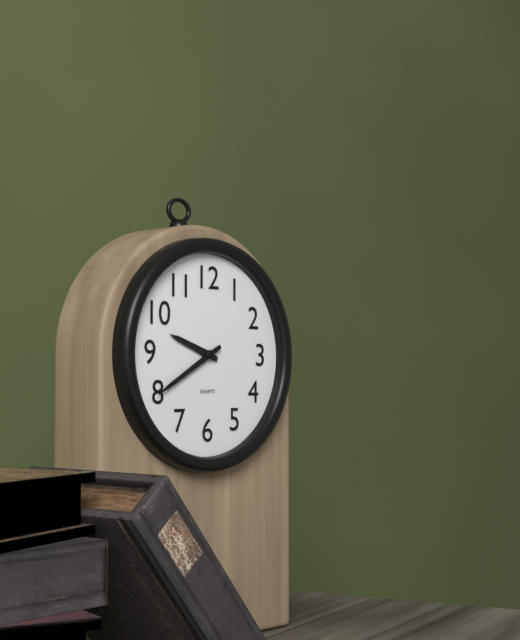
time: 9:40
